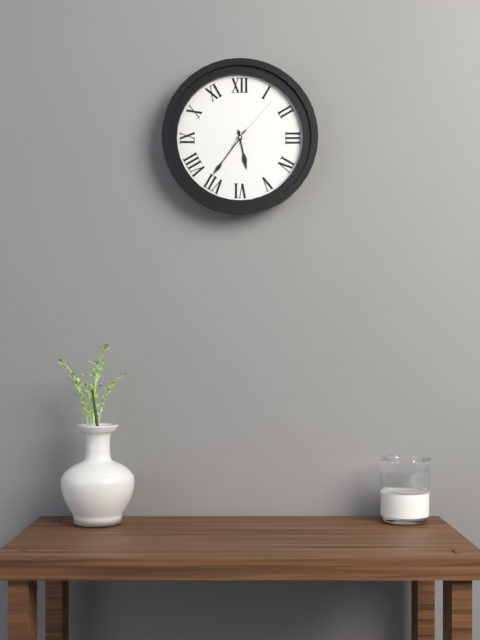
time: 5:36:07
